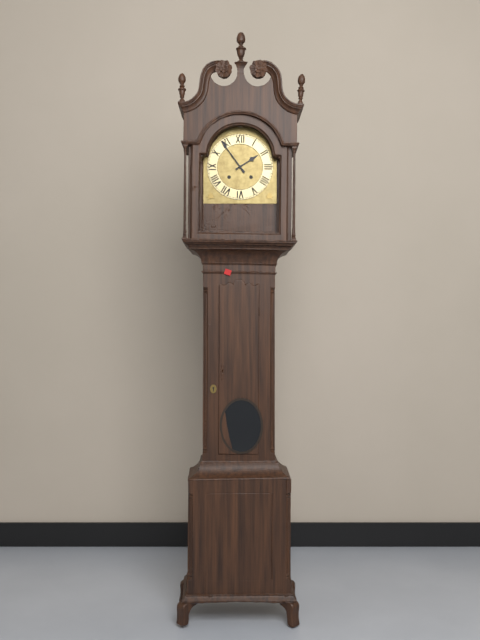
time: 1:54
